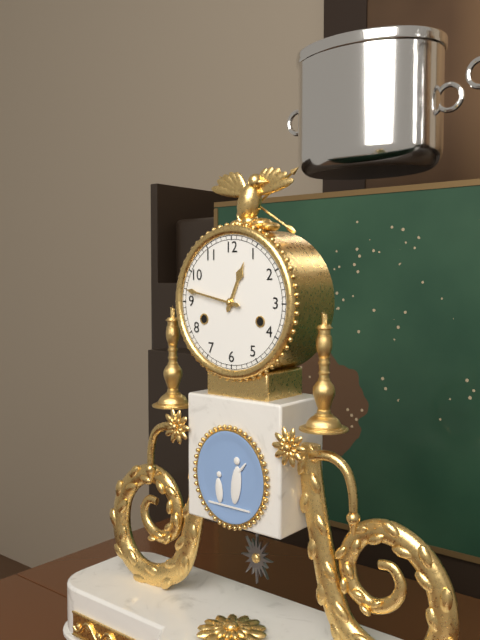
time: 12:47
